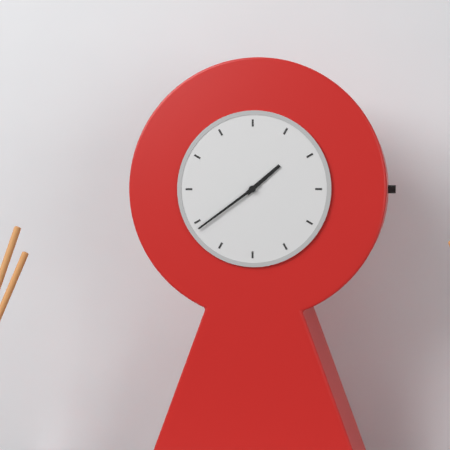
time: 1:39
